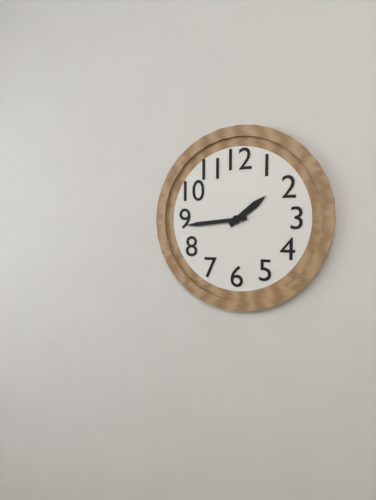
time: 1:44
